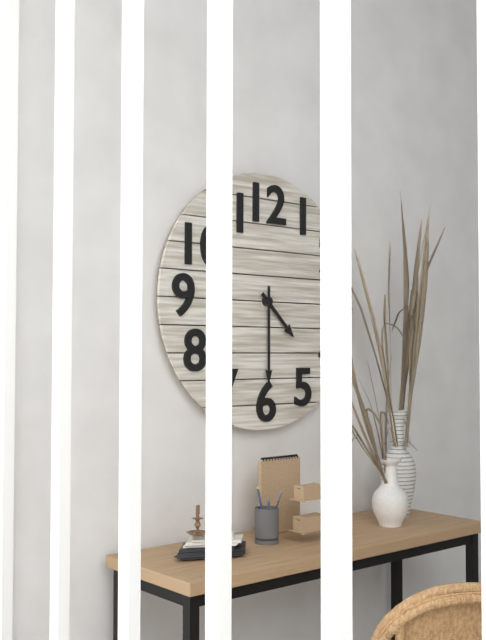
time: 4:30
